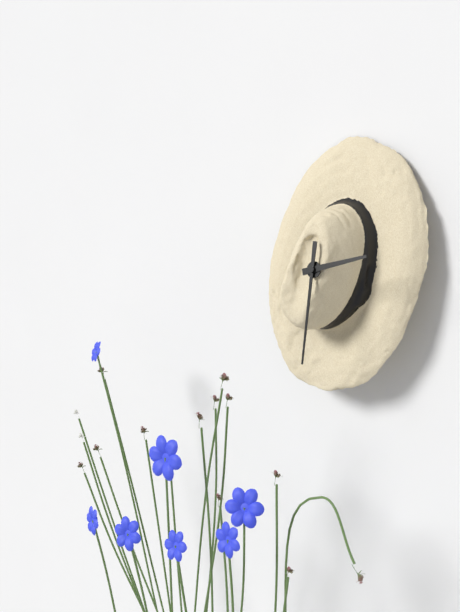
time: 2:30
